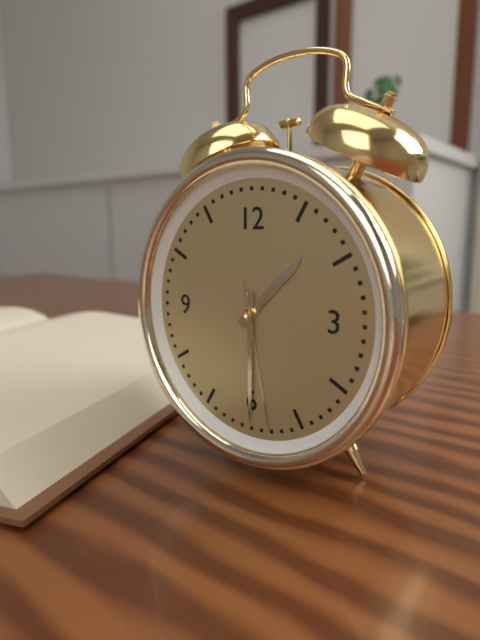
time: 1:30:28
